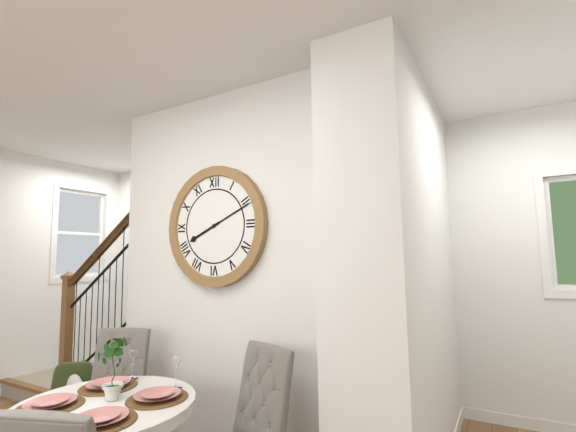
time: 8:11
